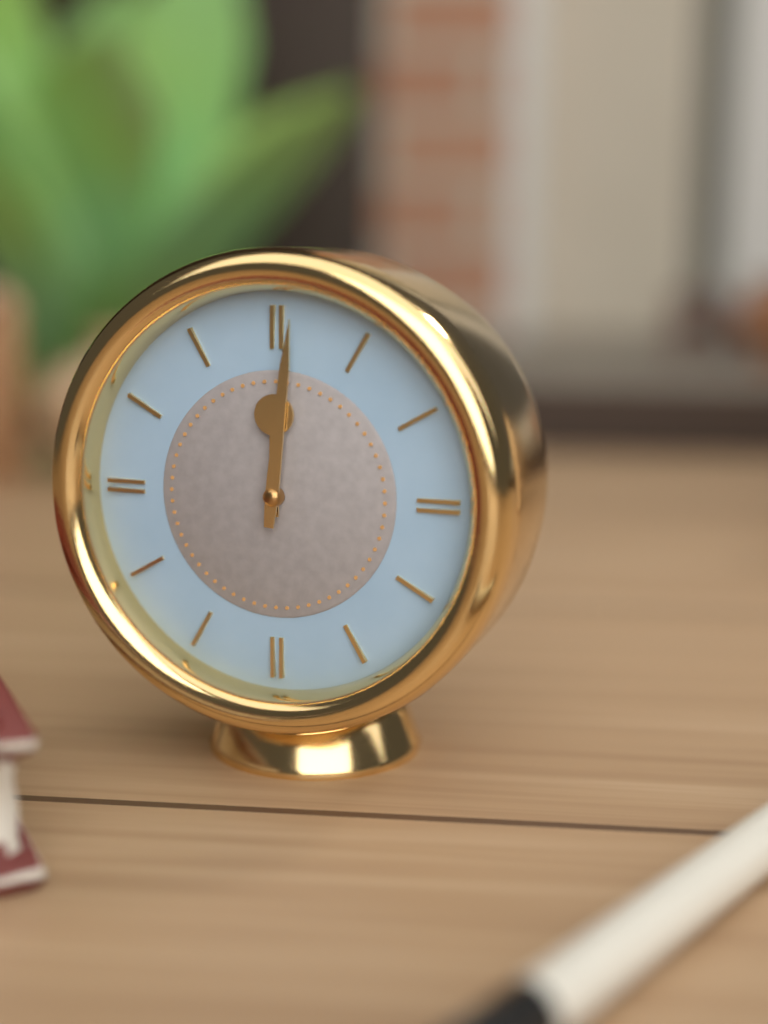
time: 12:01
